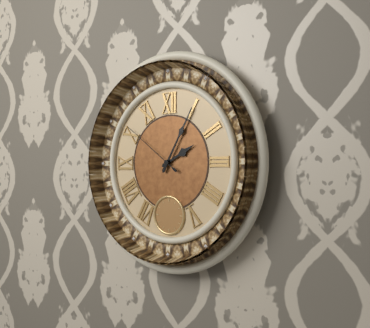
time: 2:05:51
